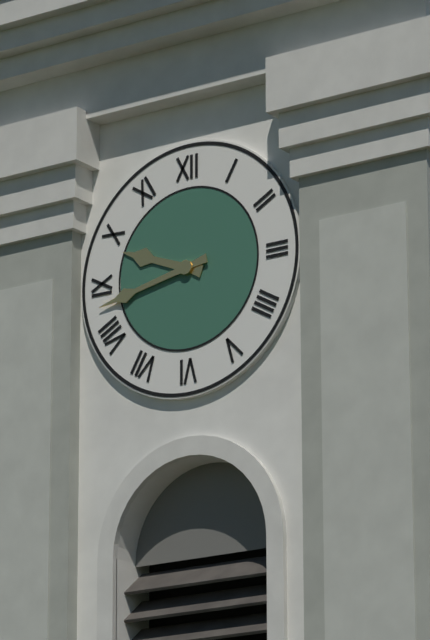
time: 9:43
